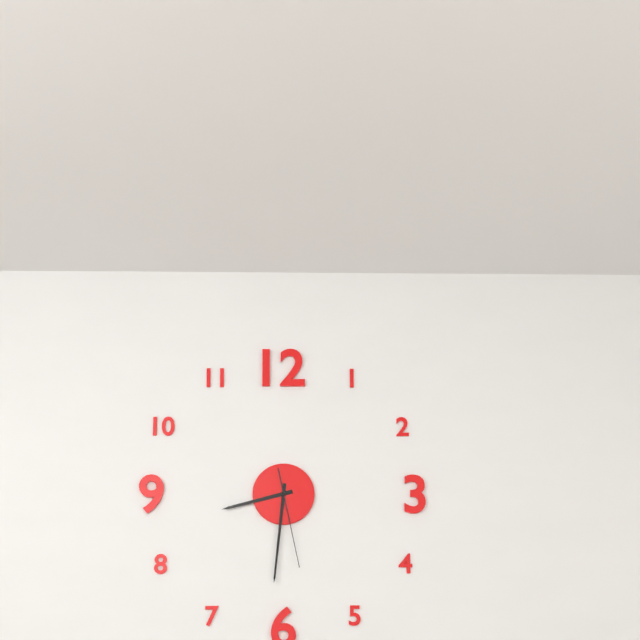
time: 8:31:28
